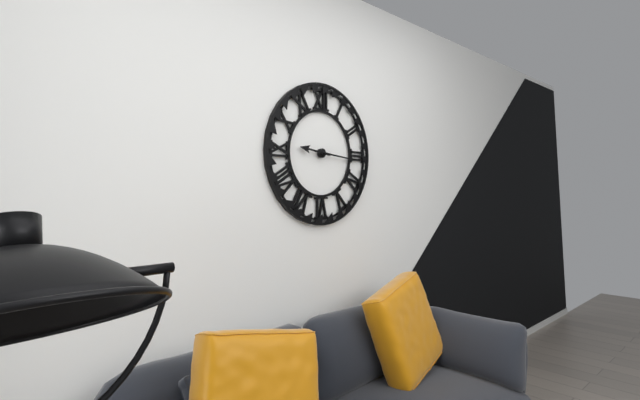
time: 9:16
